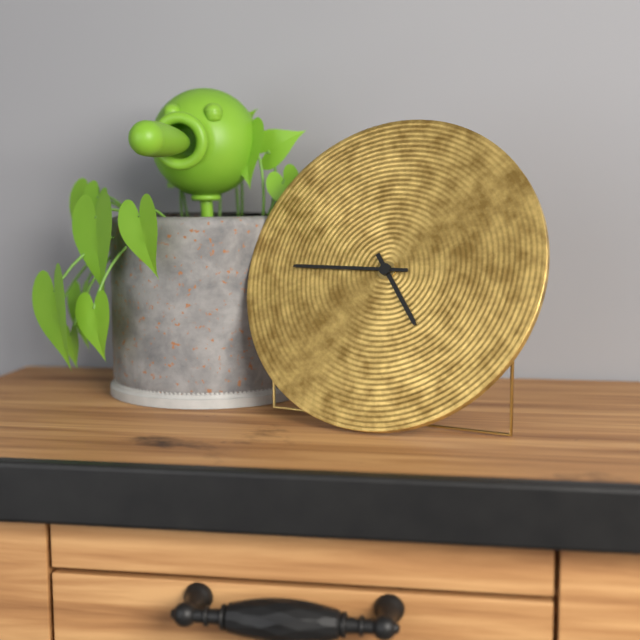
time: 4:45
